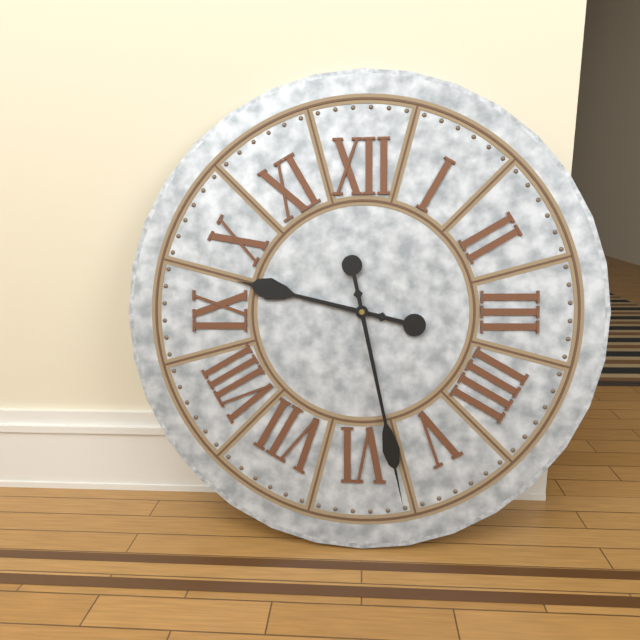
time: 9:28
